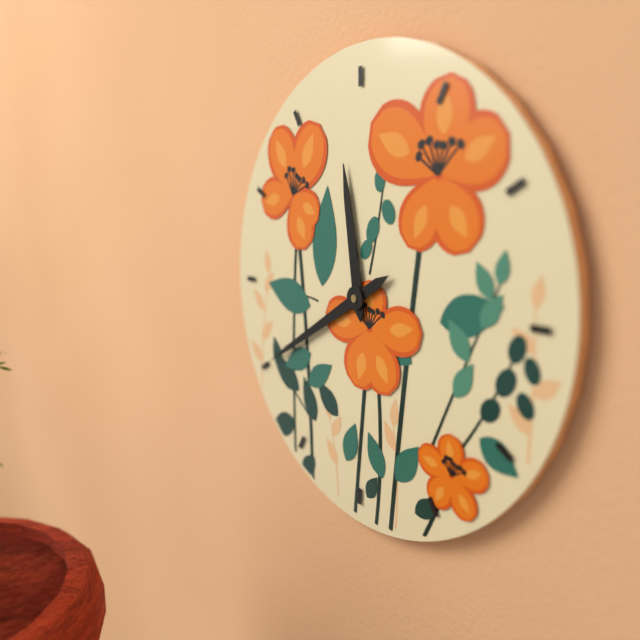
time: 11:40
